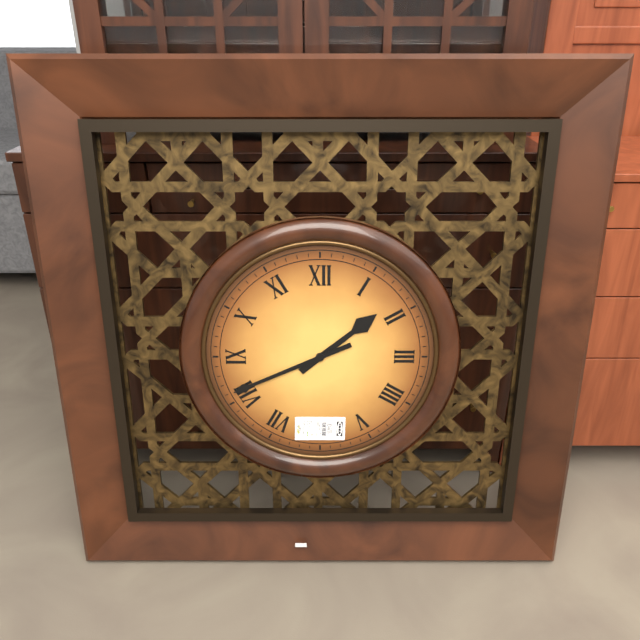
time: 1:41
